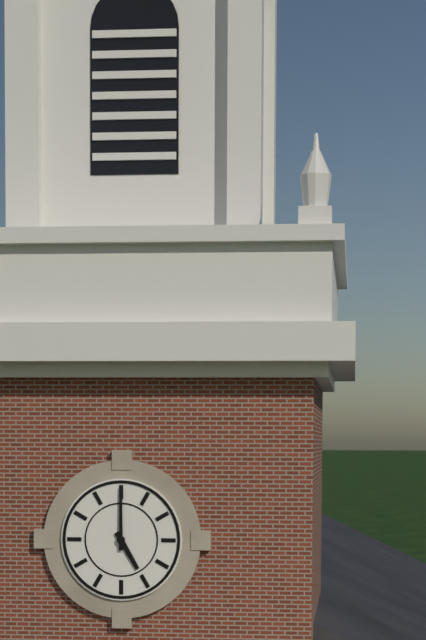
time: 5:00
